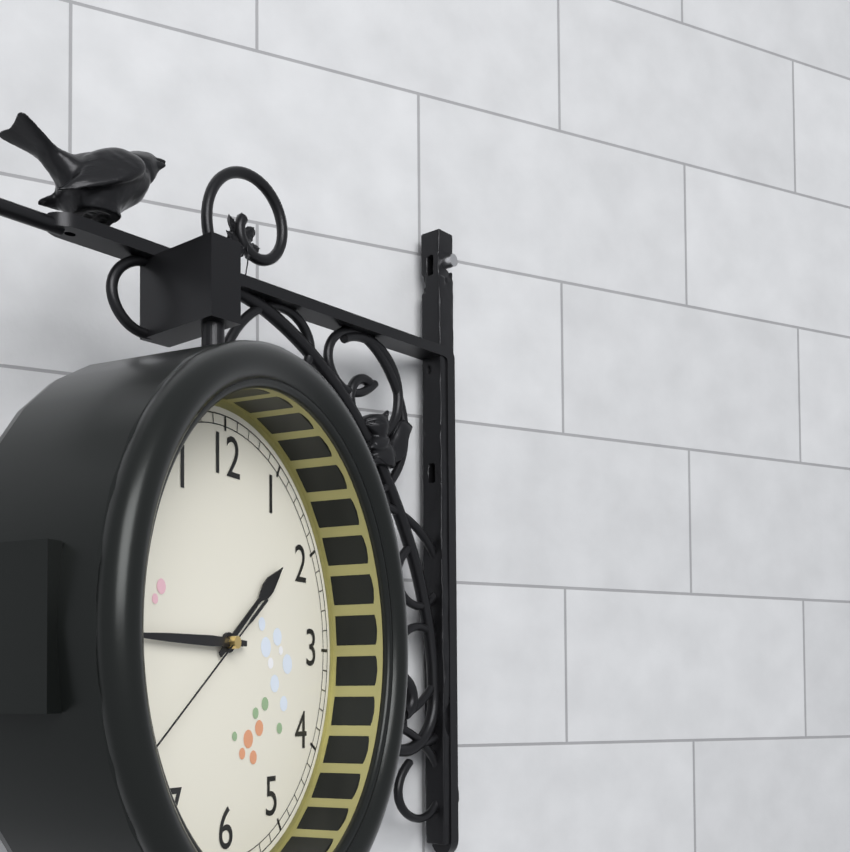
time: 1:45:39
